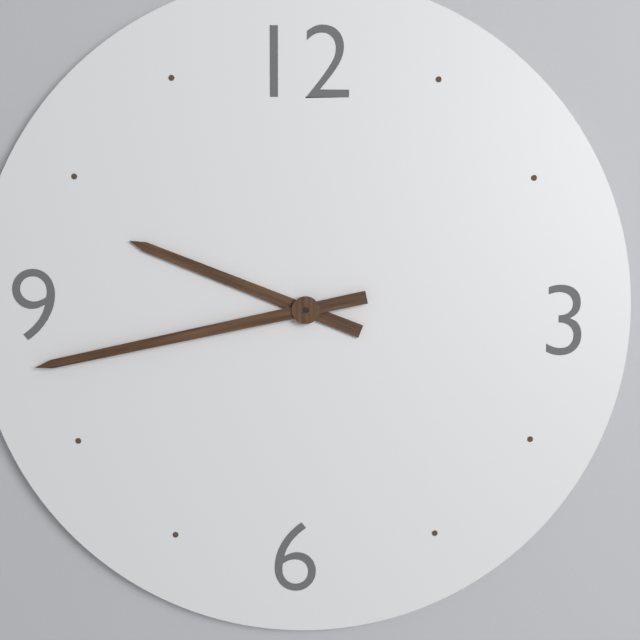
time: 9:43
